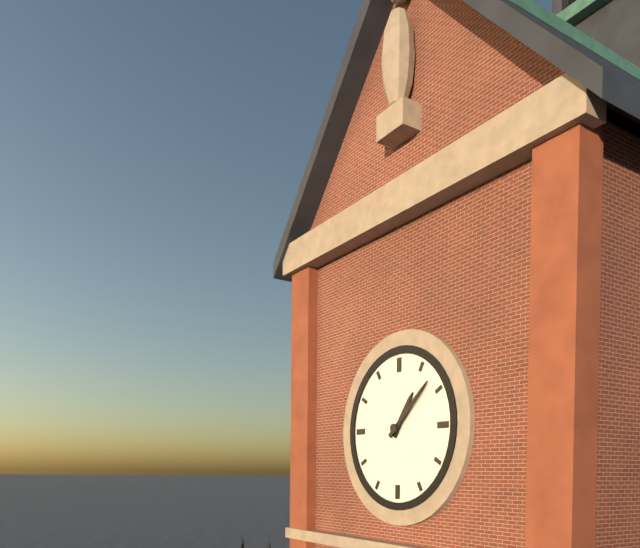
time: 1:08
